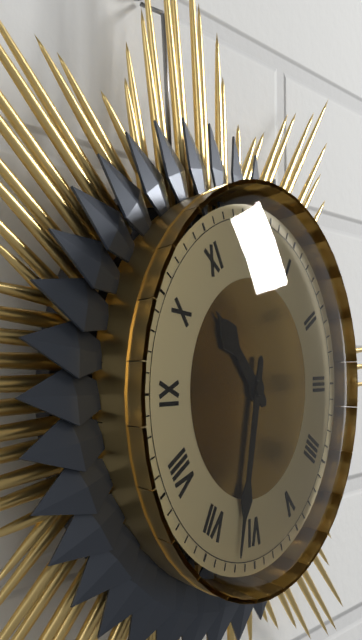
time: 10:32
